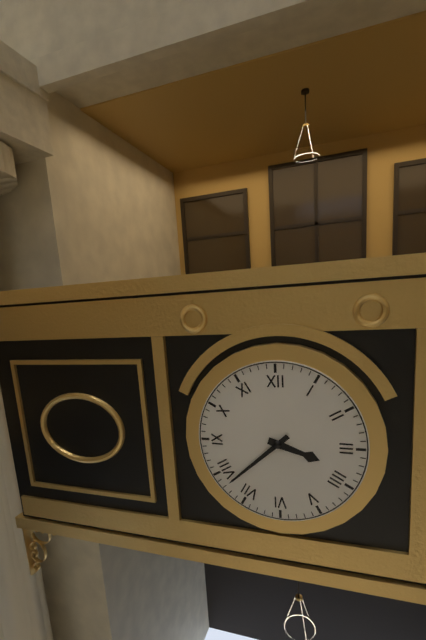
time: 3:38
